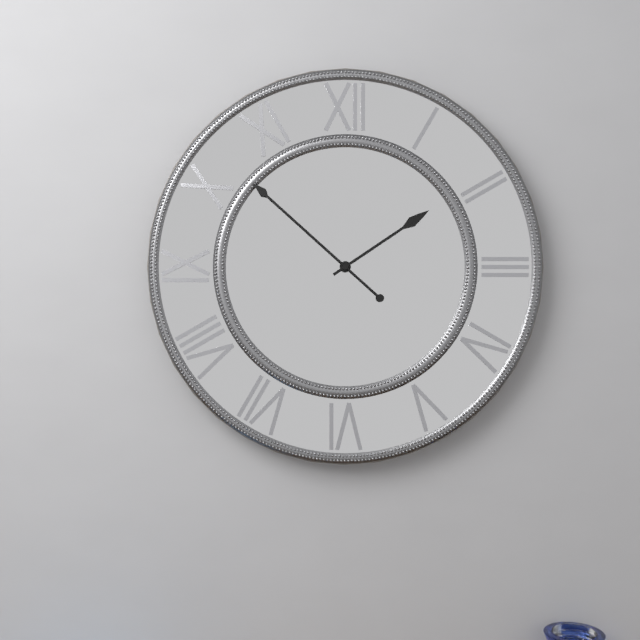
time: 1:52
